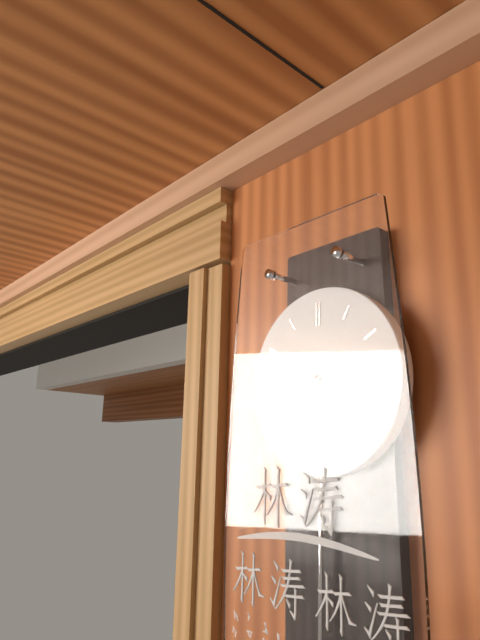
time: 8:39
